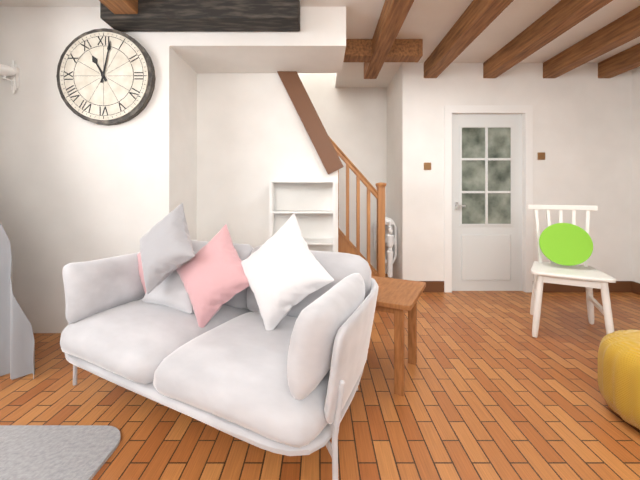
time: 11:02
